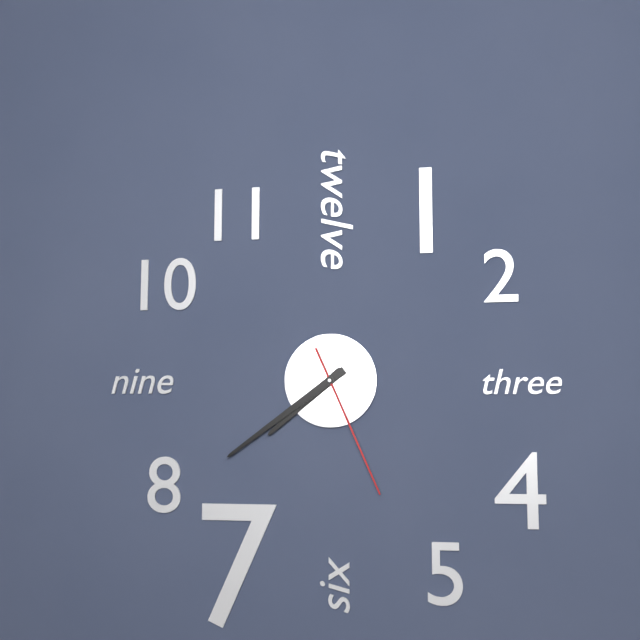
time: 7:39:26
